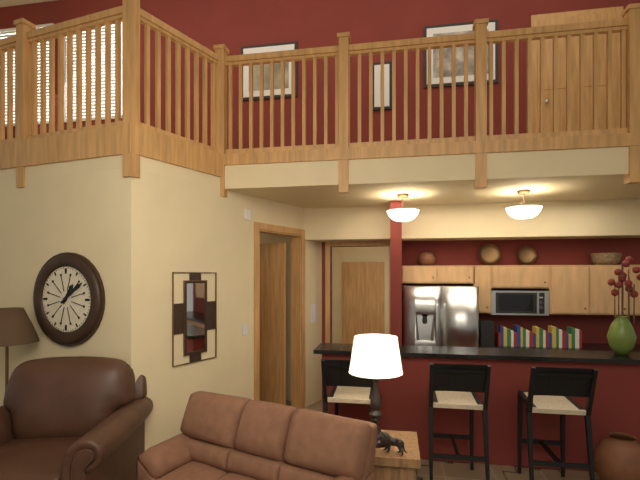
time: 1:09
